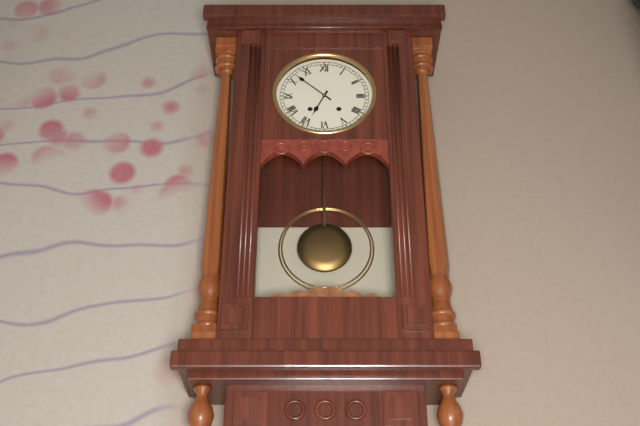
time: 6:52
